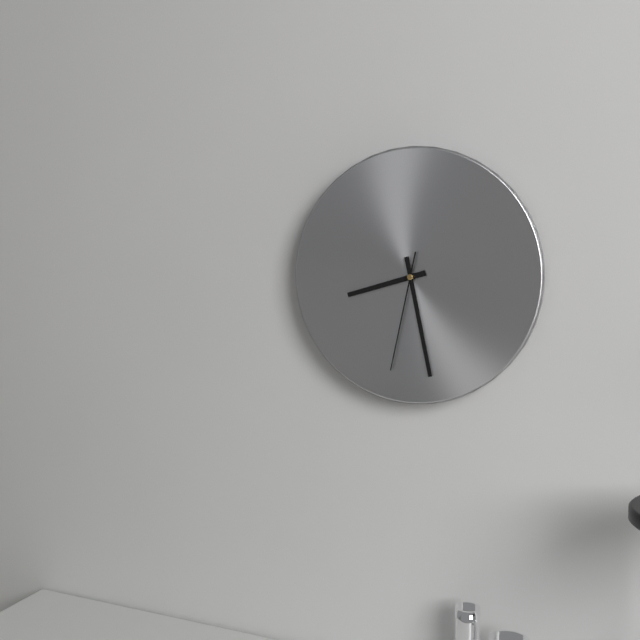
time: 8:28:32
